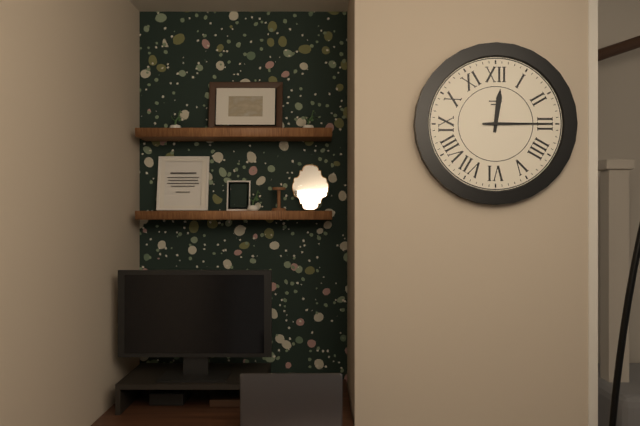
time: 12:15
